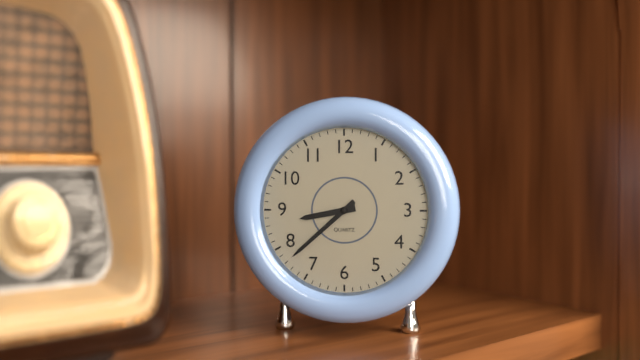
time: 8:38
